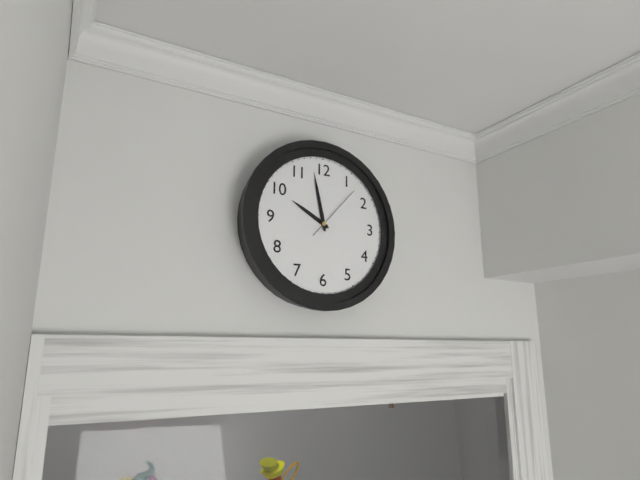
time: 9:58:07
